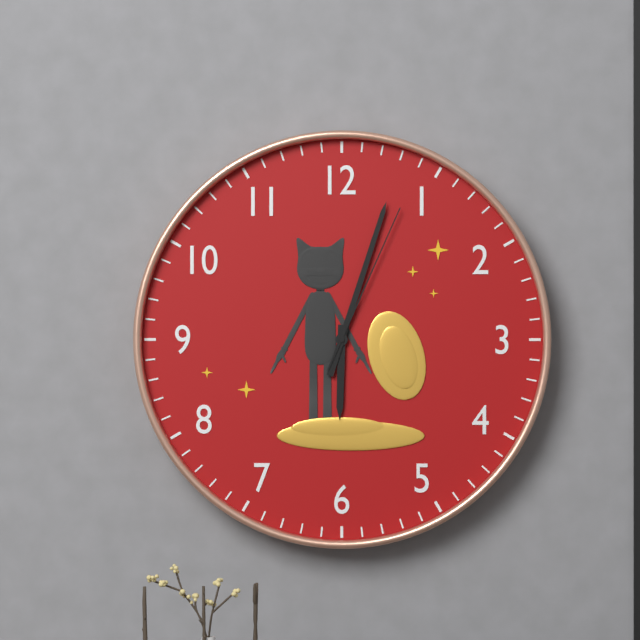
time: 6:03:04
